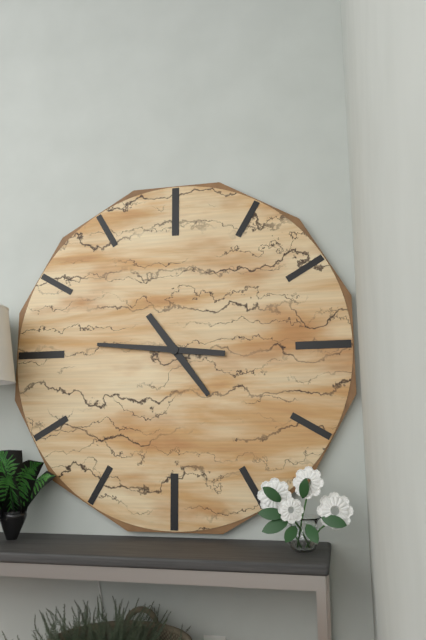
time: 4:46
